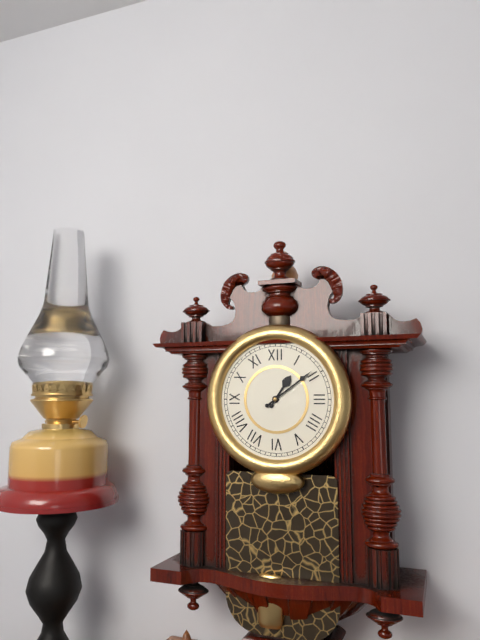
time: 1:09
